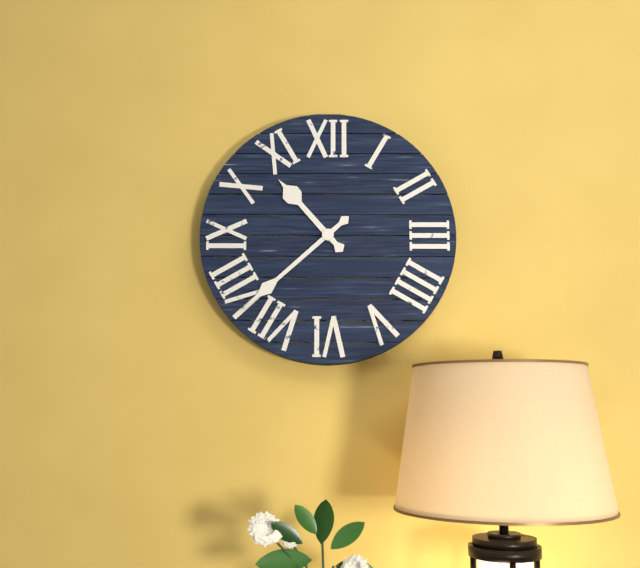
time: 10:38
